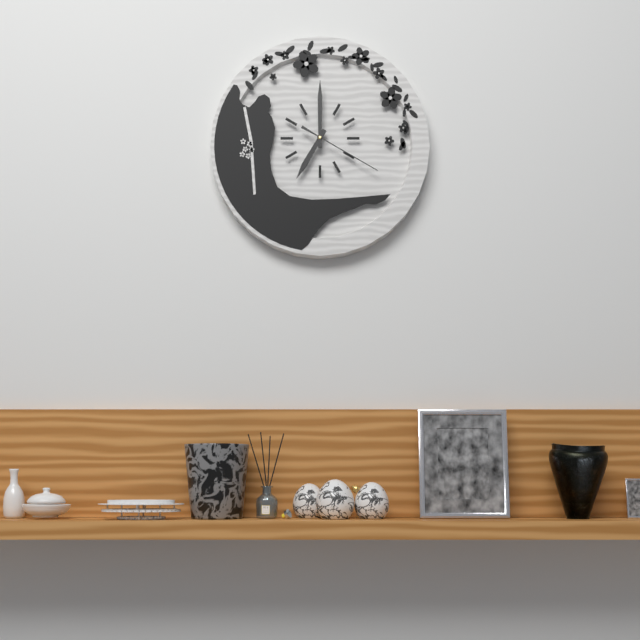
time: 7:00:20
